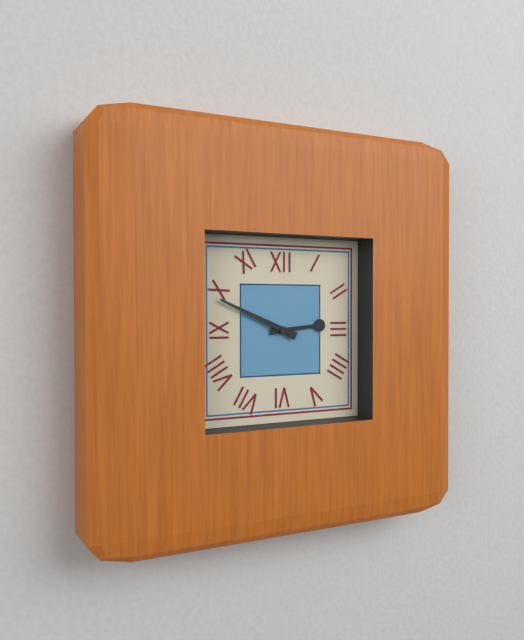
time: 2:49
